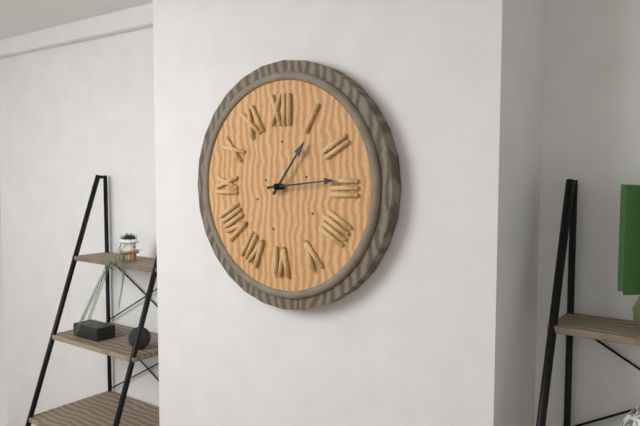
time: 1:14
